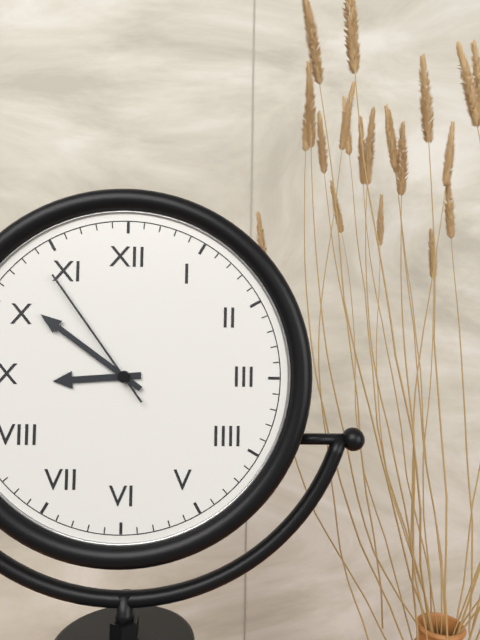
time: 8:51:54
